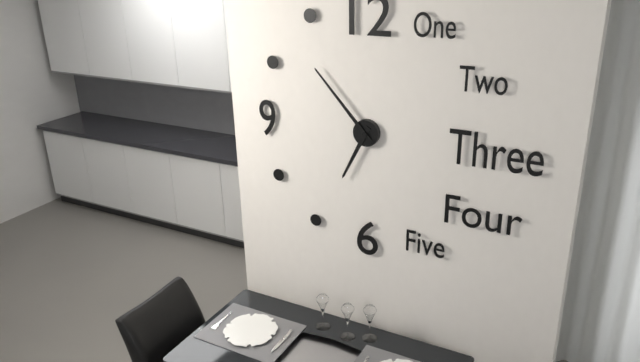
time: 6:53
